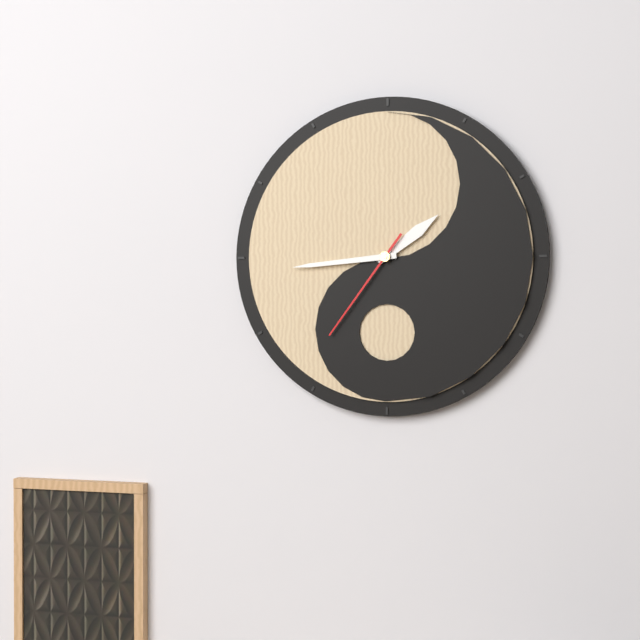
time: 1:44:36
